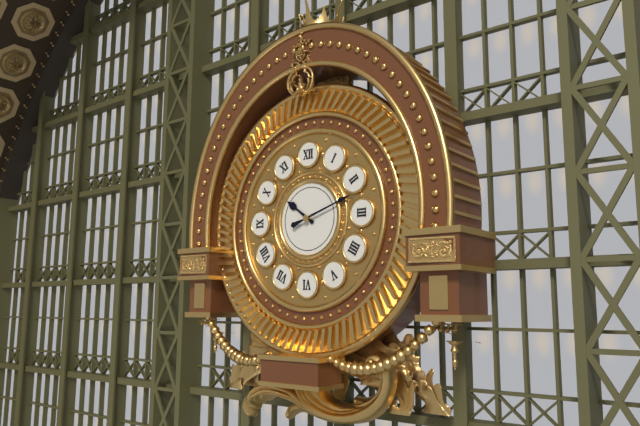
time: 10:12
